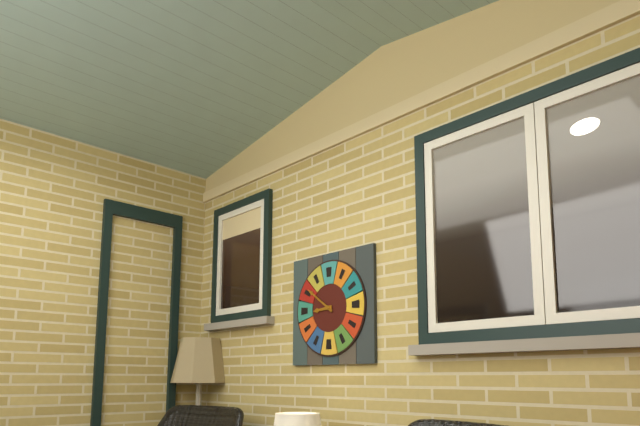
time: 8:51
